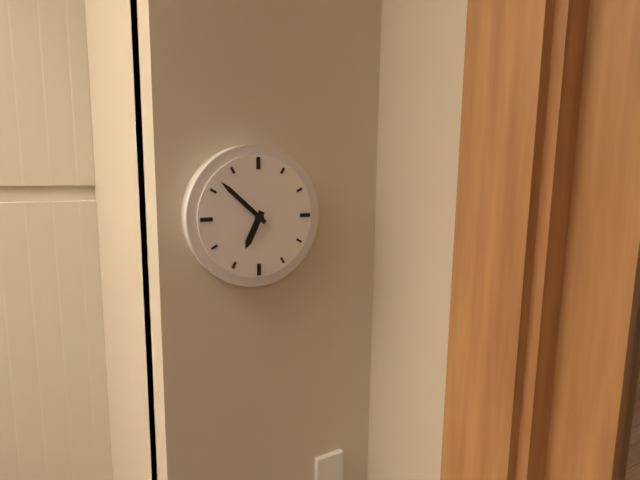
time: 6:52
